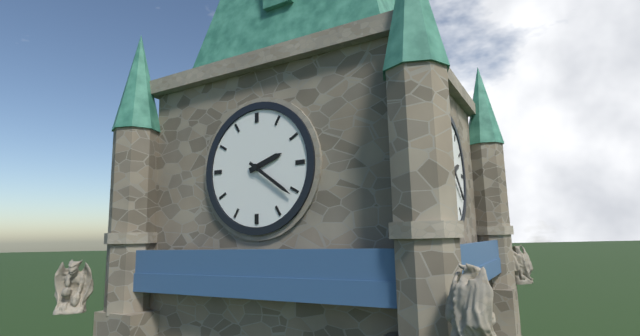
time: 2:21
